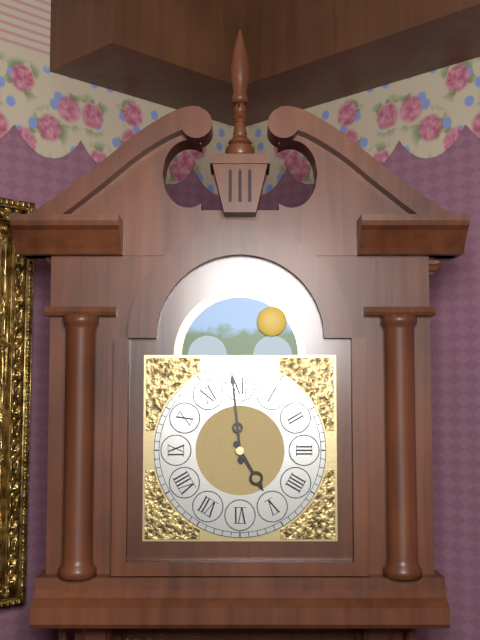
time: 4:59
